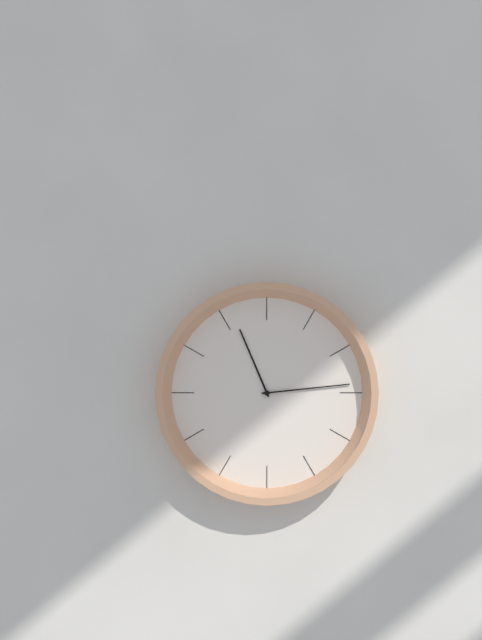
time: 11:14
